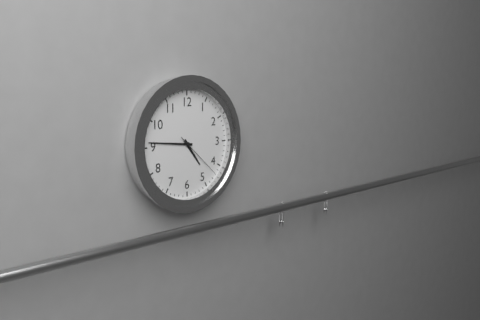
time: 4:46
